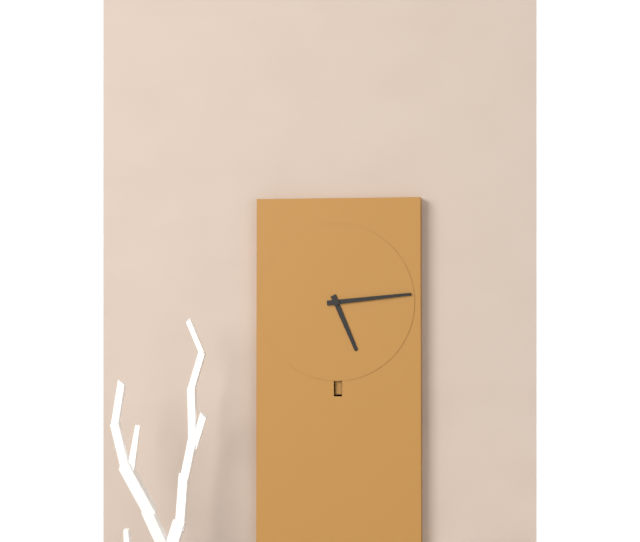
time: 5:14
